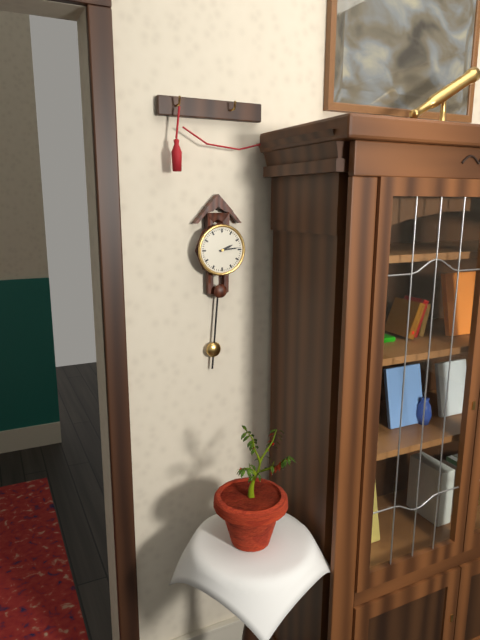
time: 2:14
